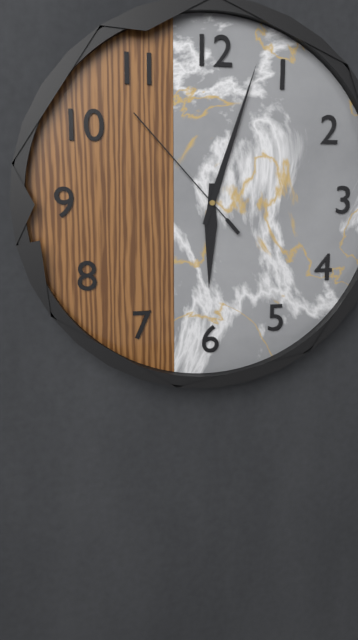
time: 6:03:53
